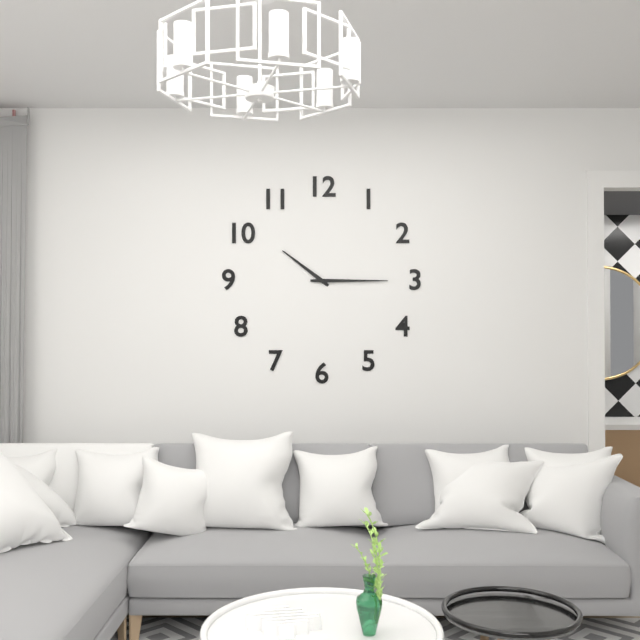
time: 10:15
